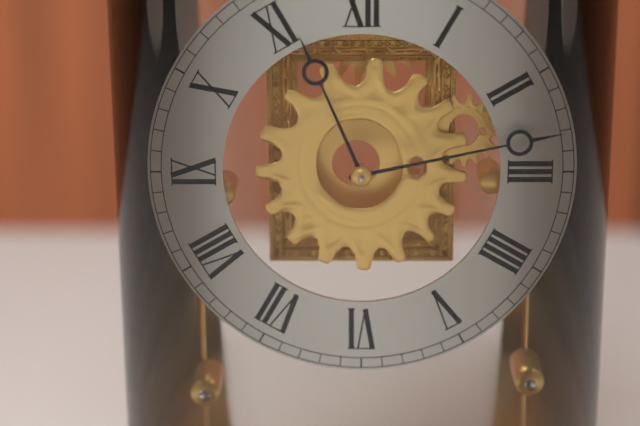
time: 11:13
